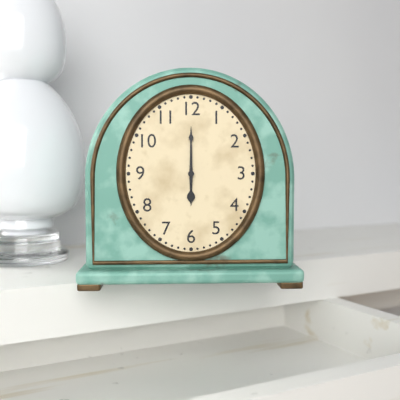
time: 6:00
